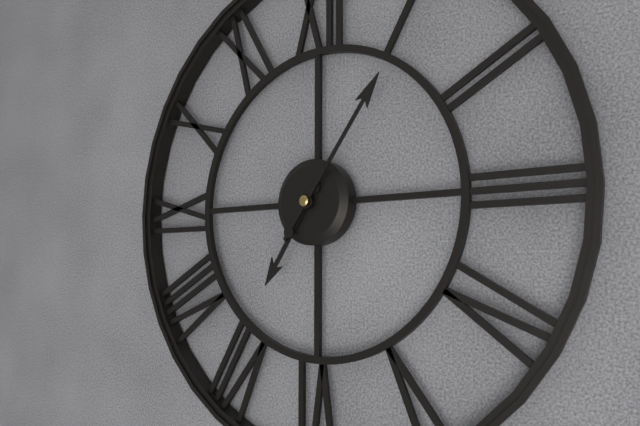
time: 7:06
